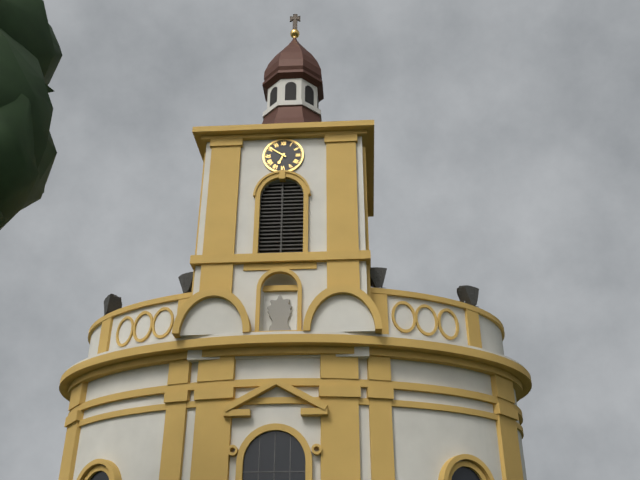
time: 6:51
